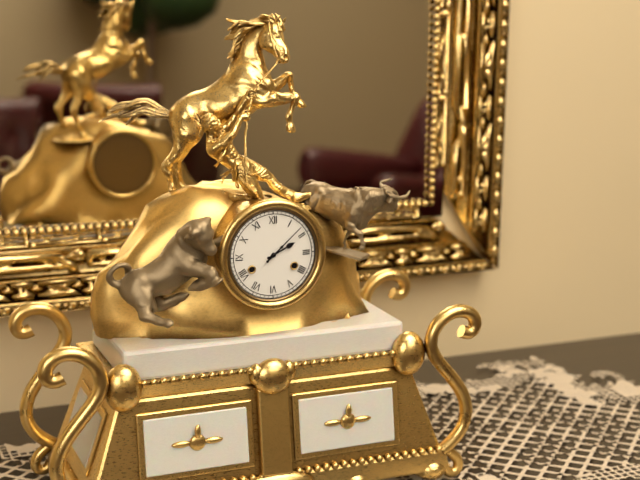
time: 2:08
